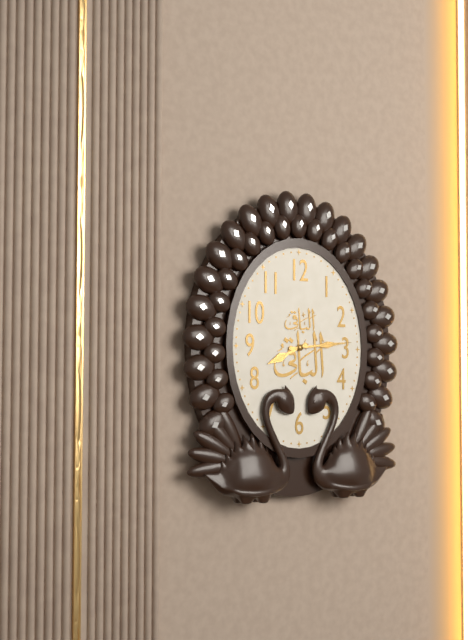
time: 8:14
